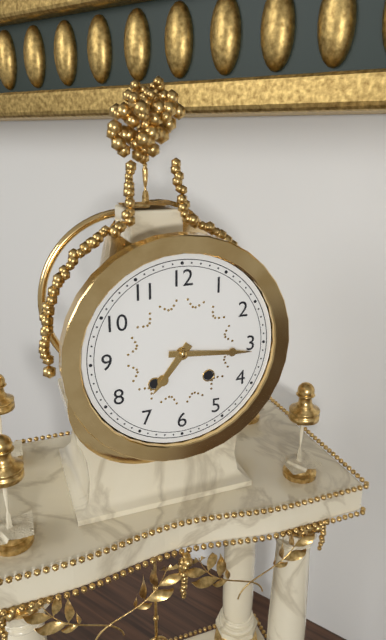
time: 7:16
